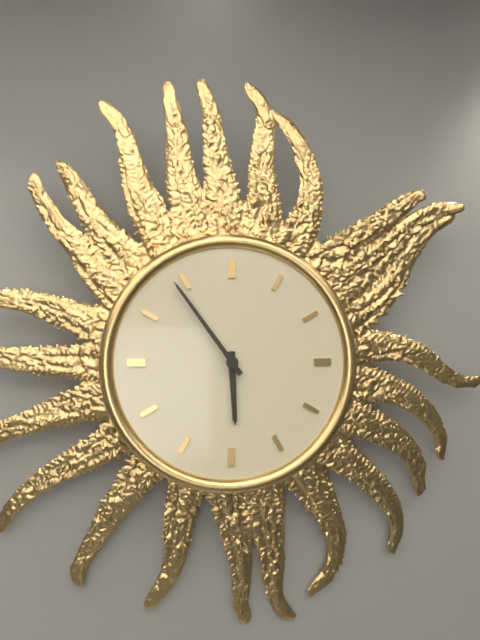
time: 5:54
